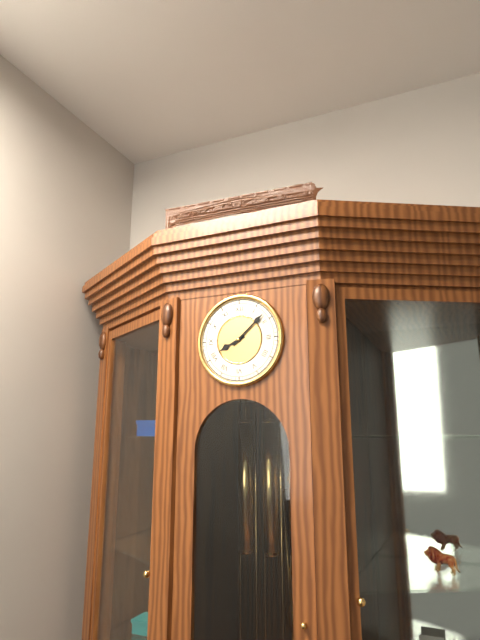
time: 8:08
